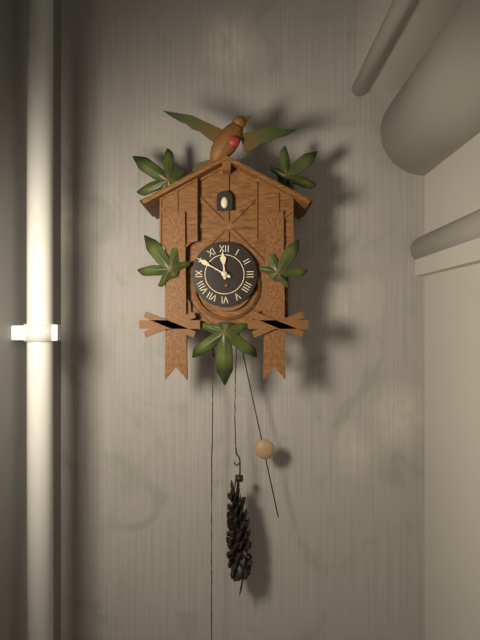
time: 11:50
